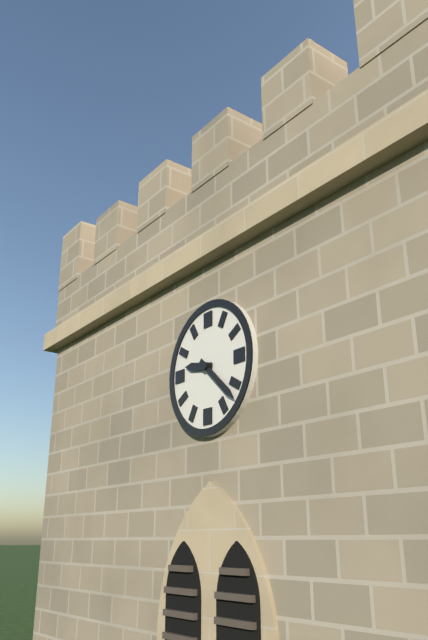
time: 9:22
